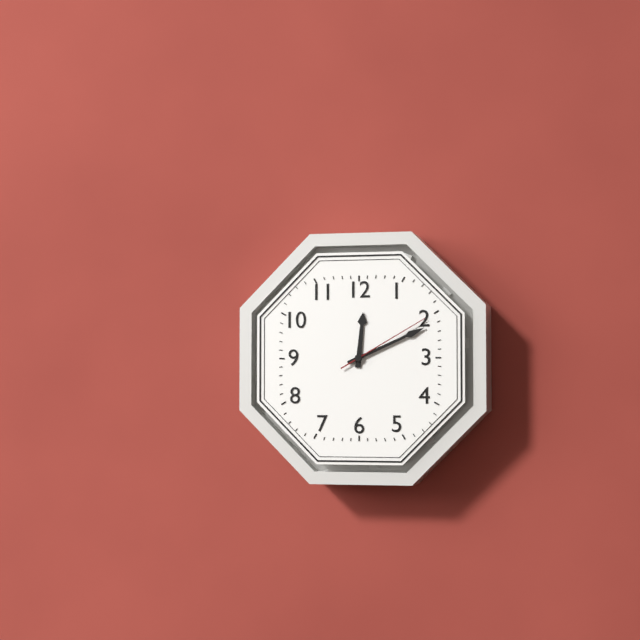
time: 12:11:10
